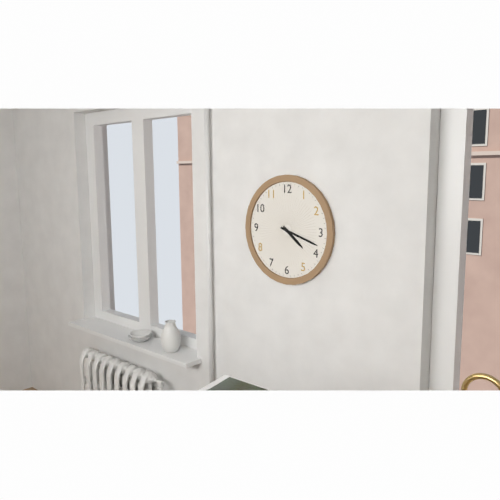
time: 4:18
